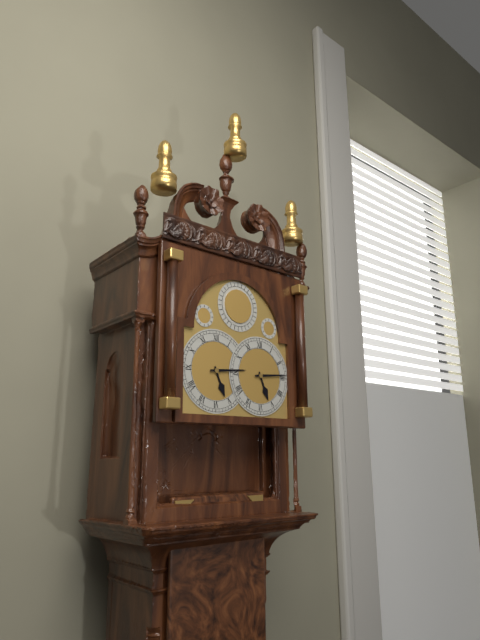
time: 5:14
